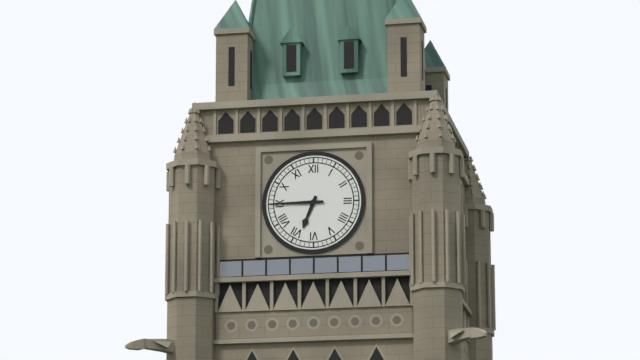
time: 6:45
